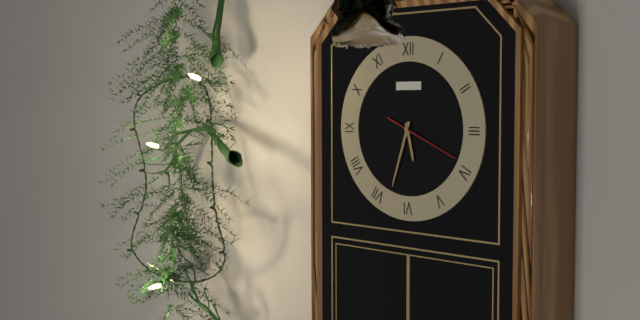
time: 5:33:19
